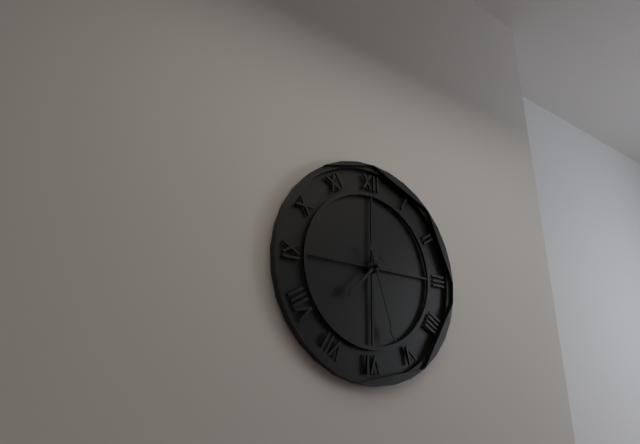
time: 7:27
